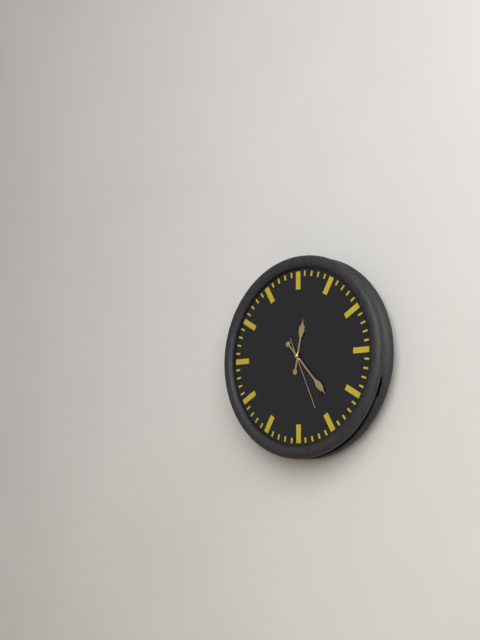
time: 12:23:26
